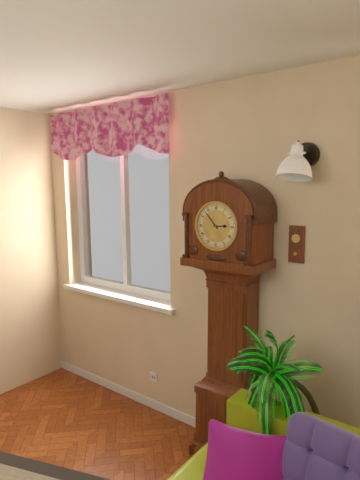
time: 2:53
